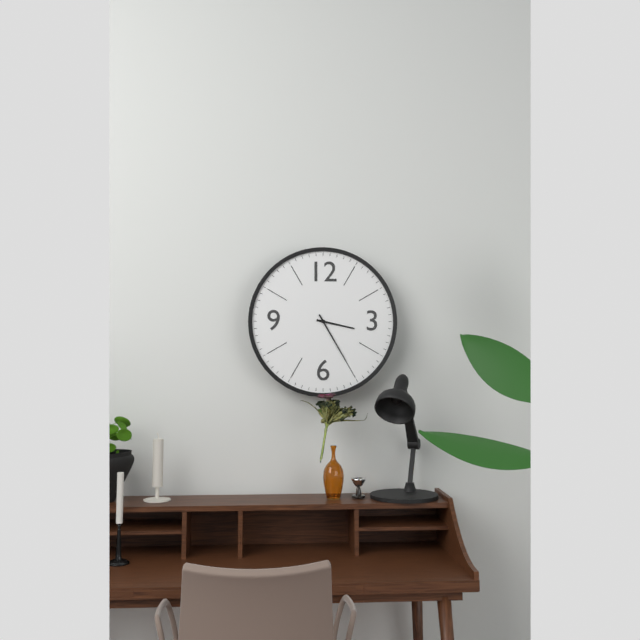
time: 3:25
